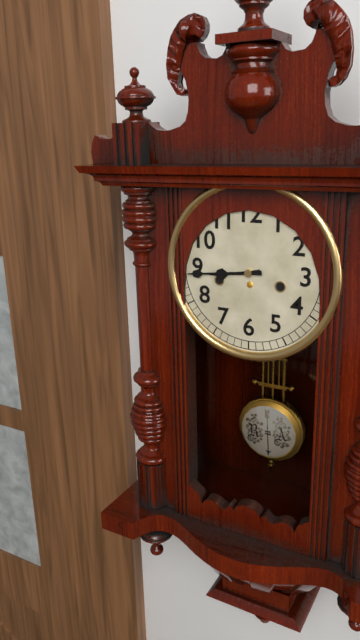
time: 8:44
